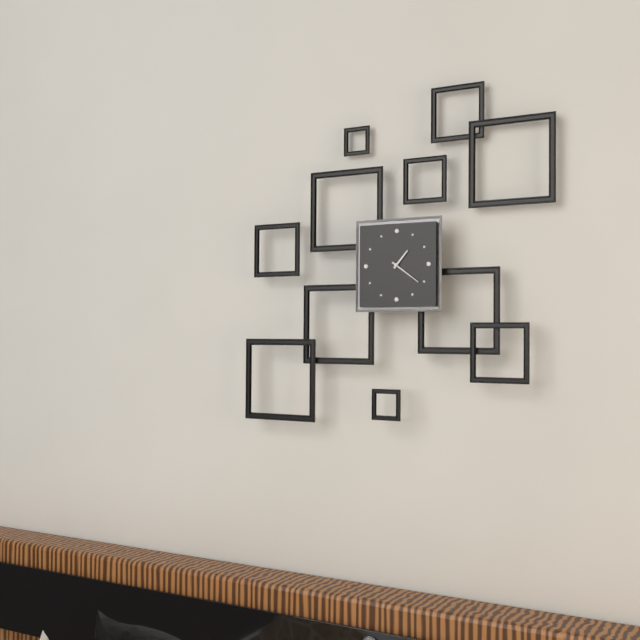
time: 1:21
